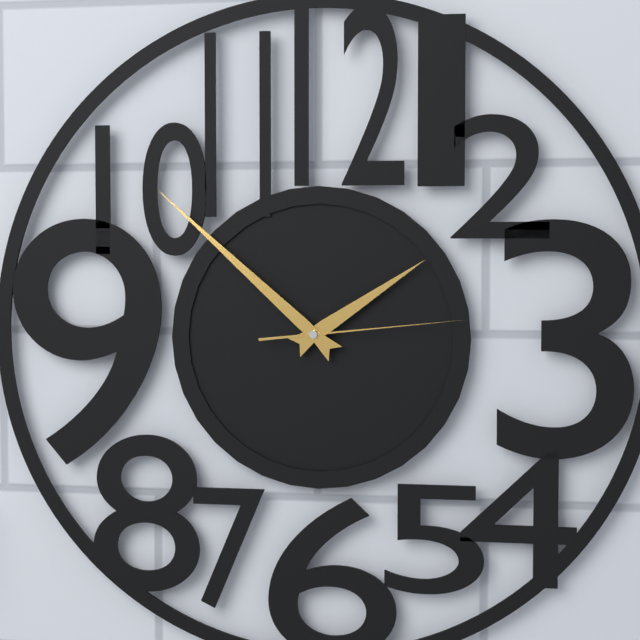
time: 1:52:14
